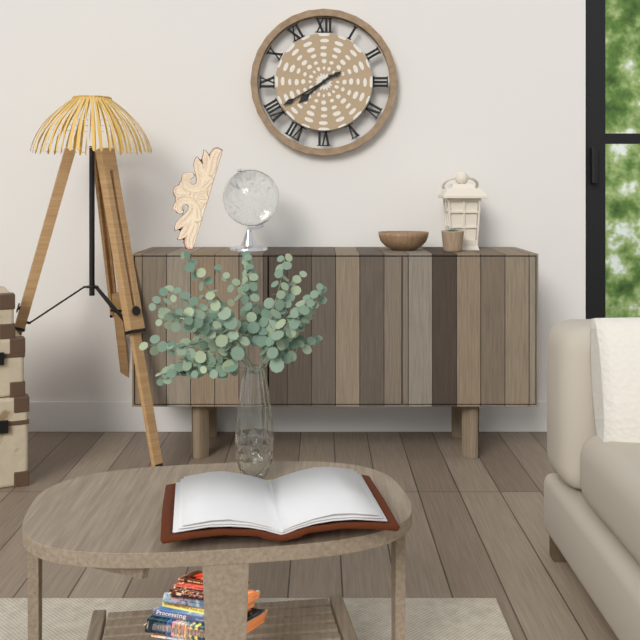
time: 7:40
